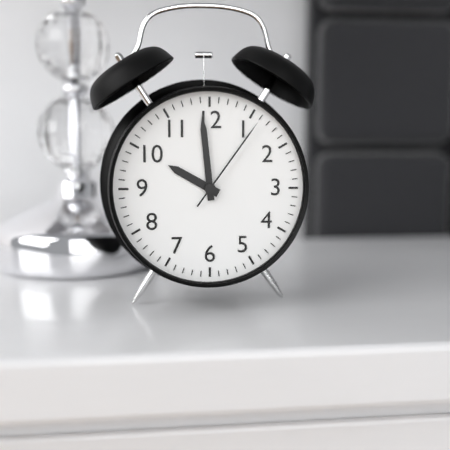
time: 9:59:06
